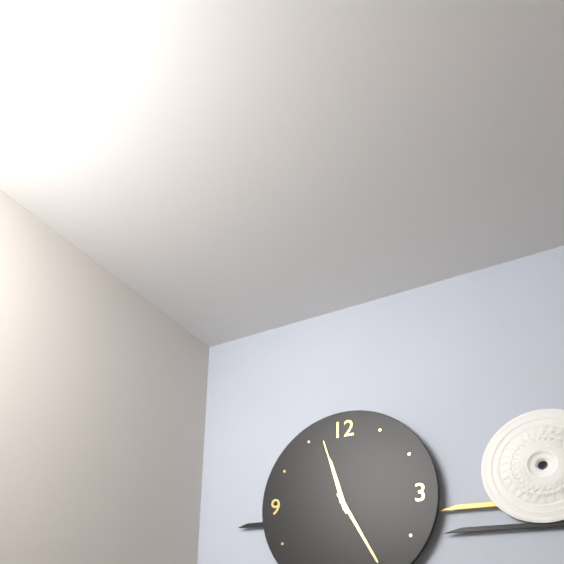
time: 11:25:57
